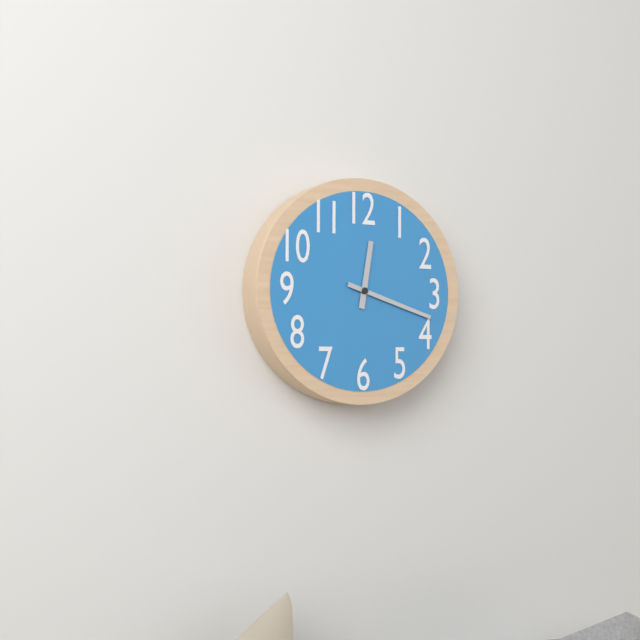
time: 12:18
